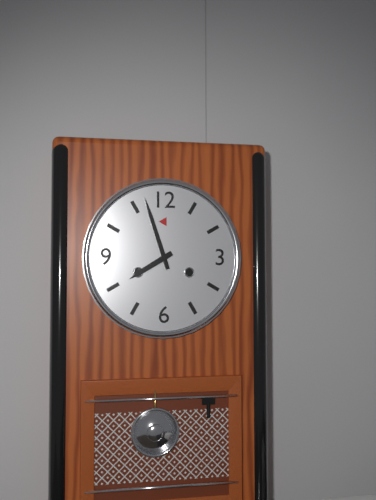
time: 7:57
